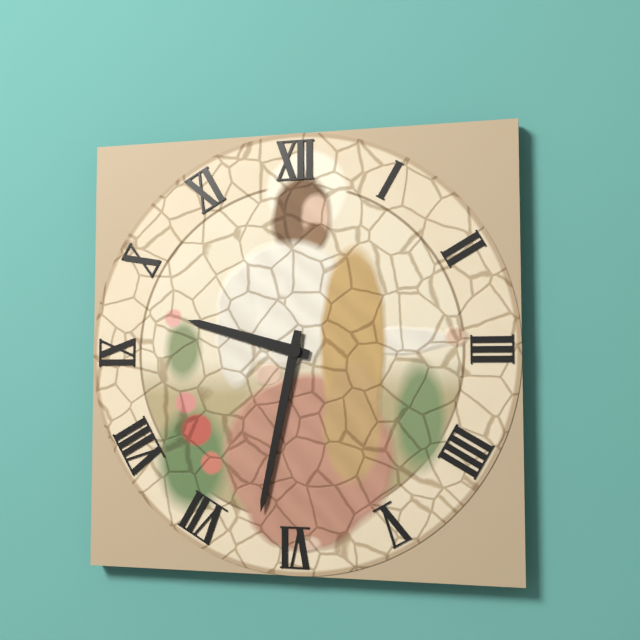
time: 9:32
